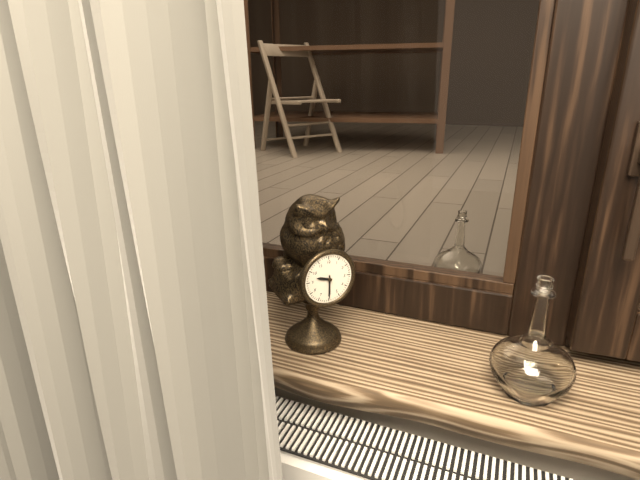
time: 9:30
